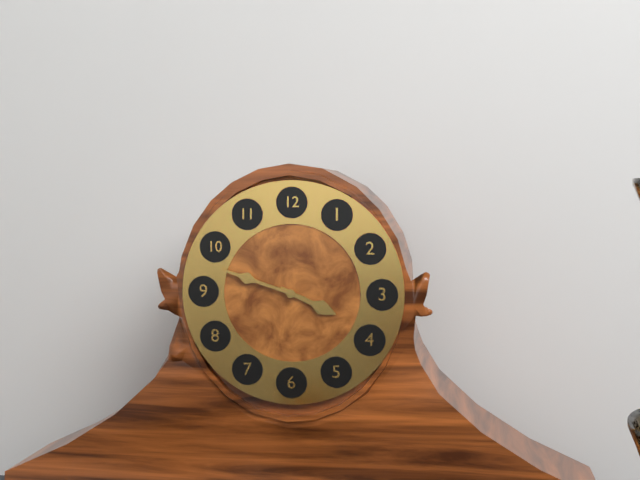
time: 3:48
